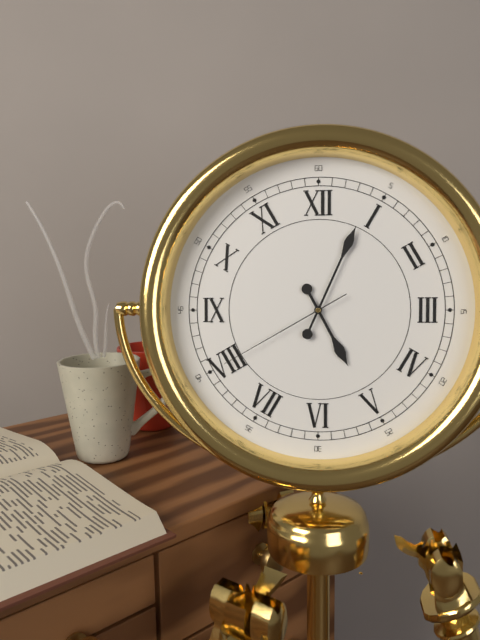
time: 5:04:40
